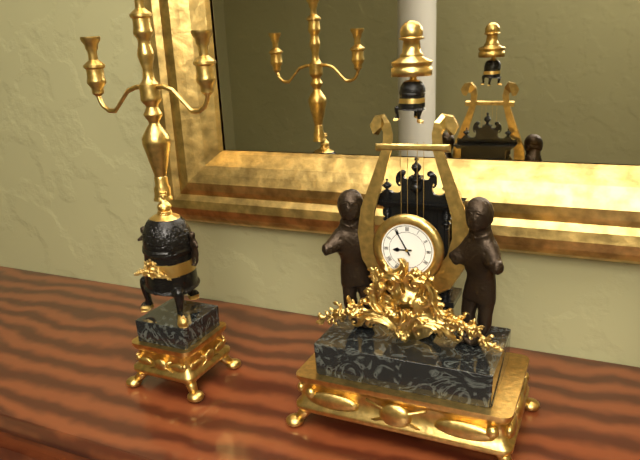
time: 8:55
